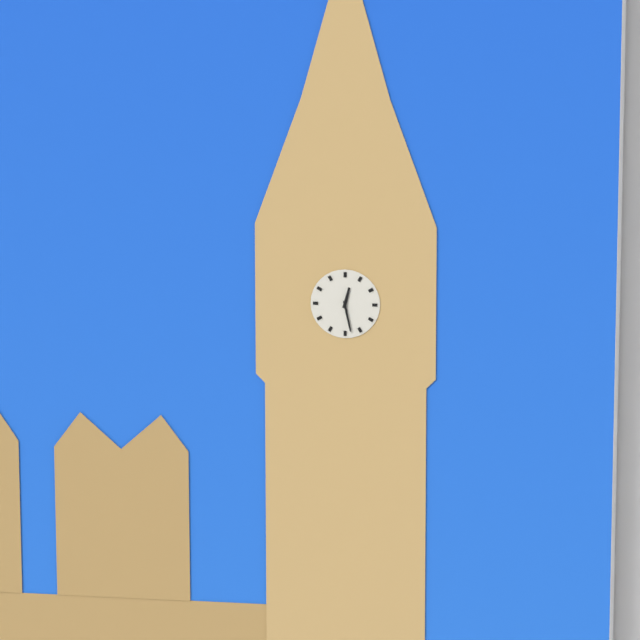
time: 12:28
